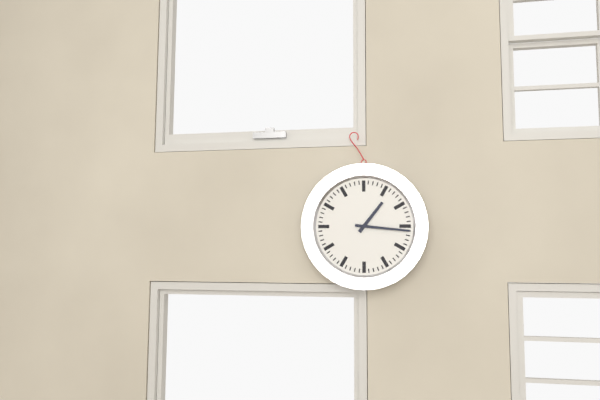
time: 1:16
